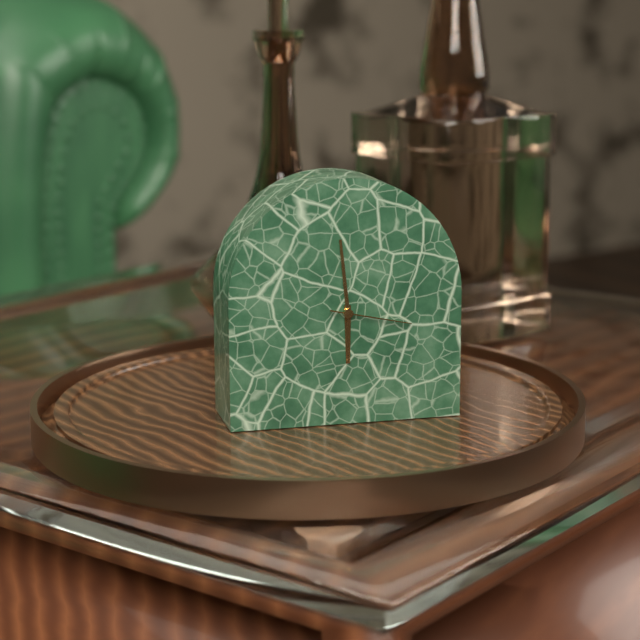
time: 5:59:17
